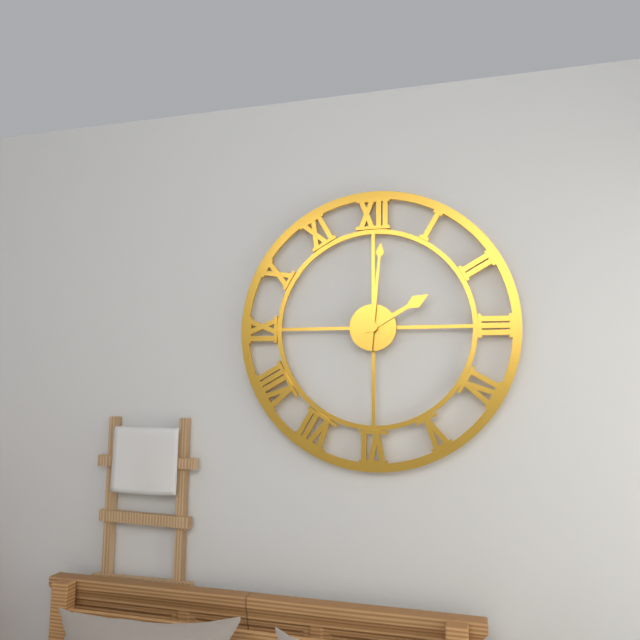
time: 2:01
